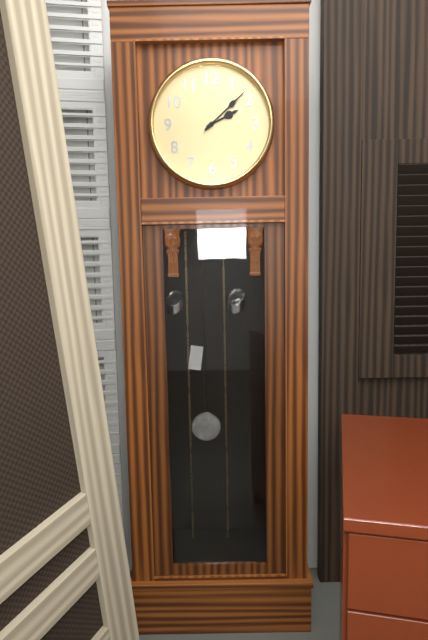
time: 2:08
